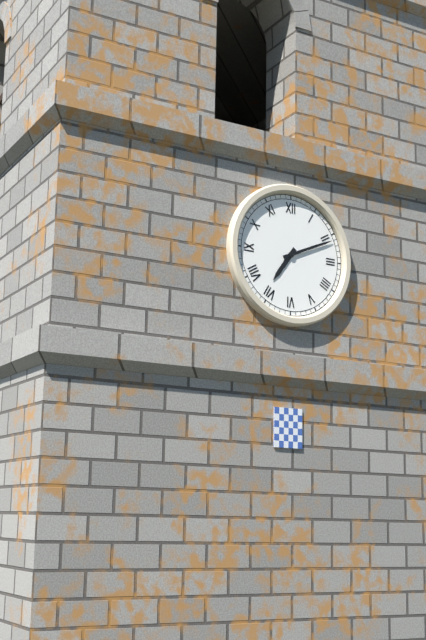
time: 7:11
